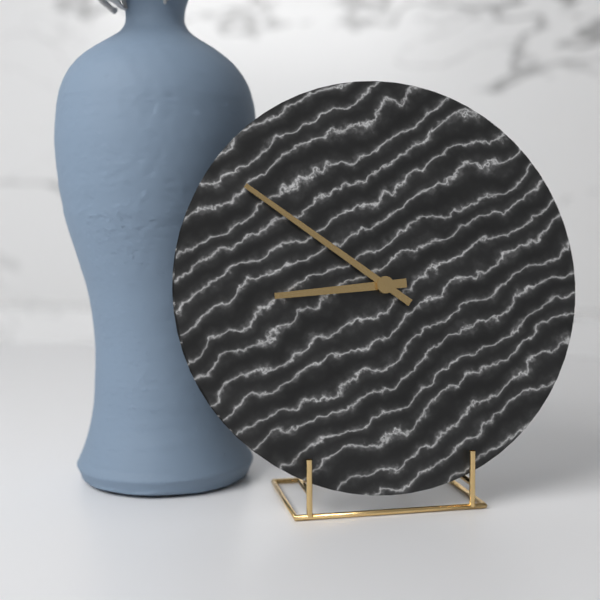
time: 8:51
